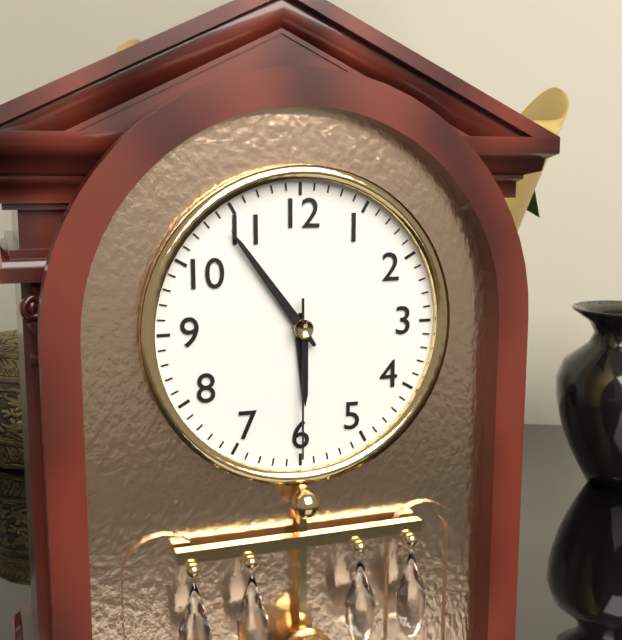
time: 5:54:30
